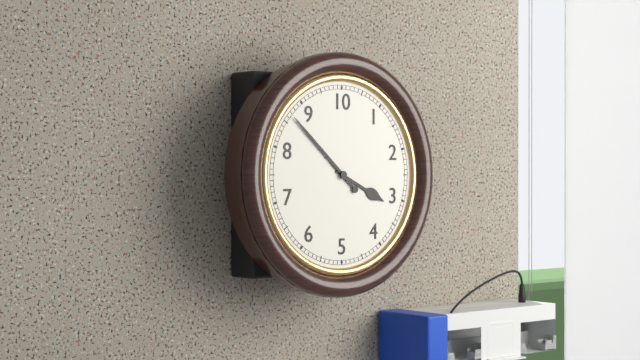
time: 3:52
